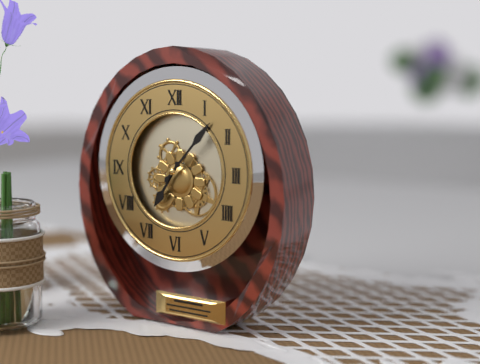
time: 7:07
